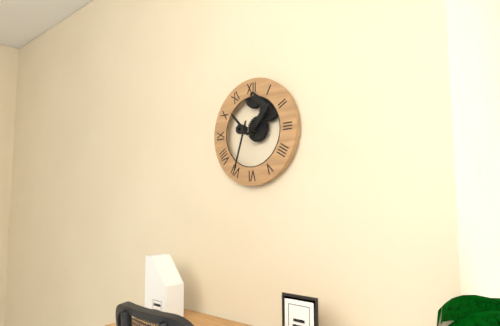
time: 10:33
